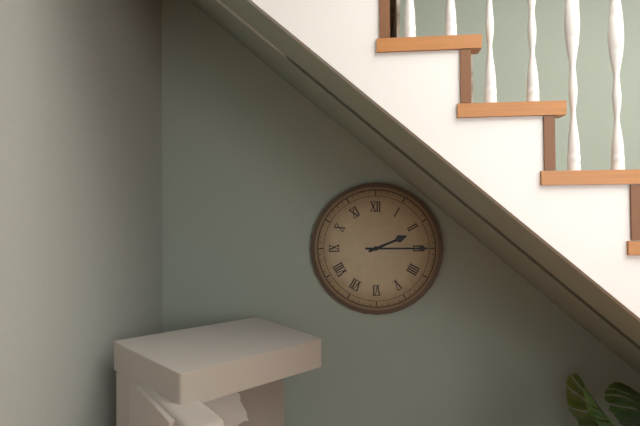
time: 2:15
